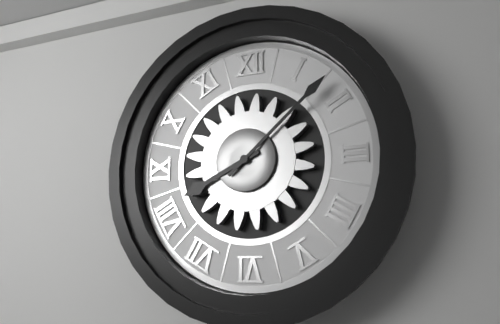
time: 8:08
